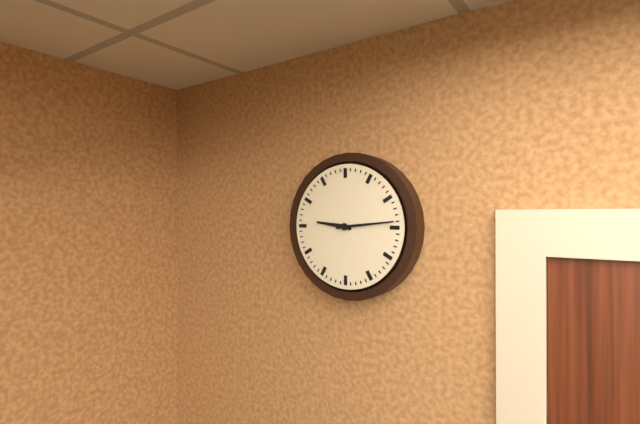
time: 9:14
